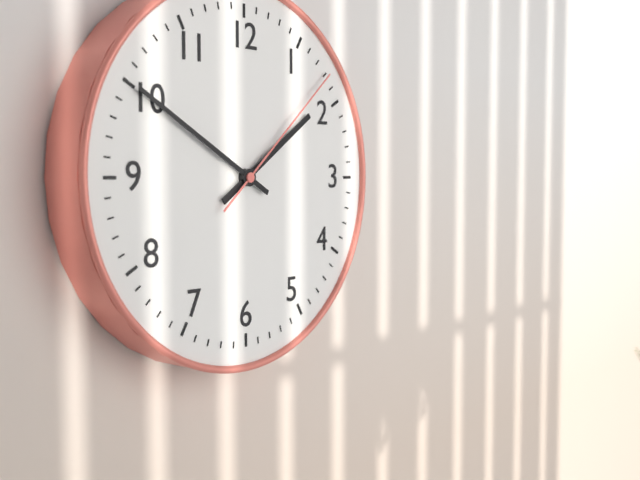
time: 1:50:08
